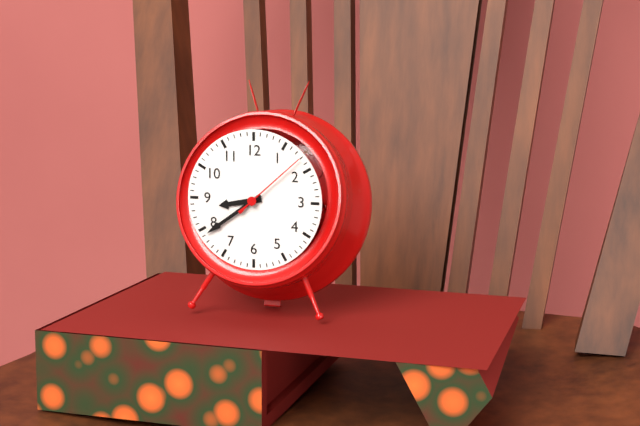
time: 8:39:08
